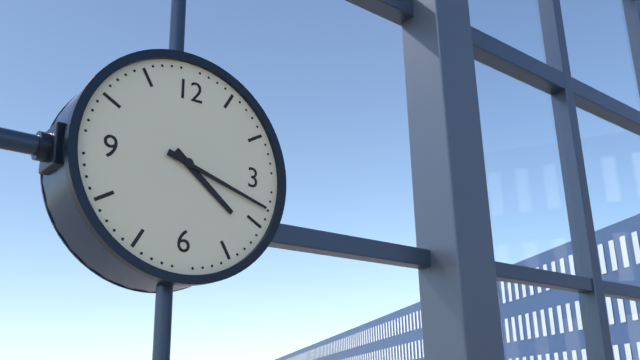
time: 4:18
